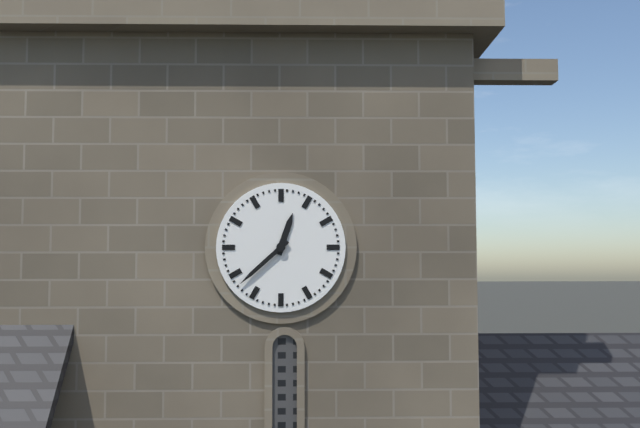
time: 12:38
